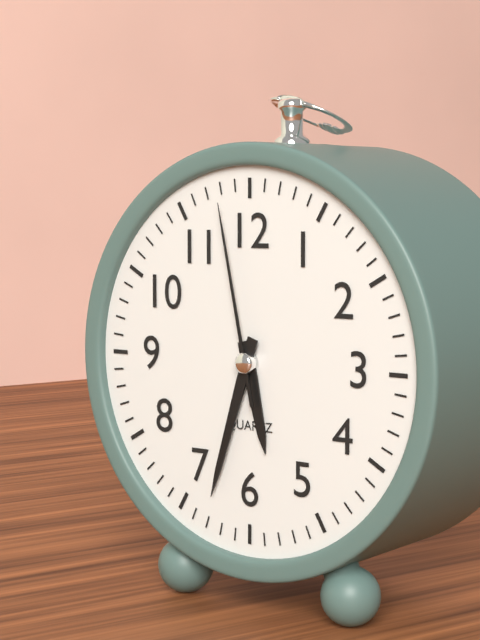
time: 5:33:58
